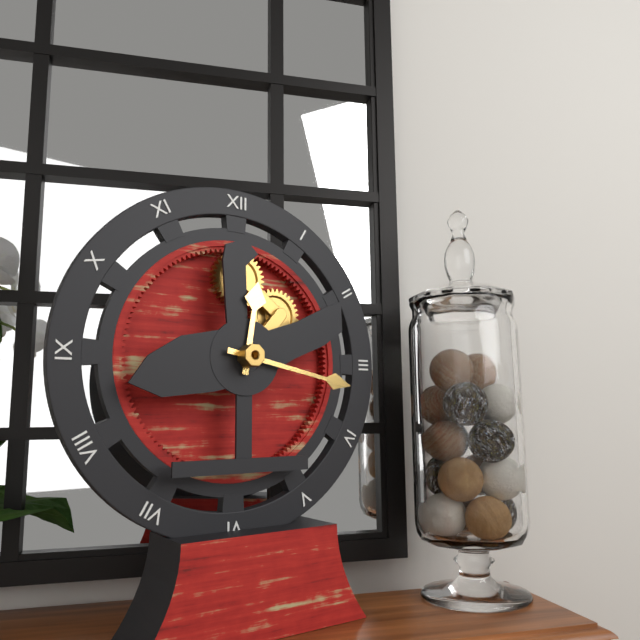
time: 12:17
